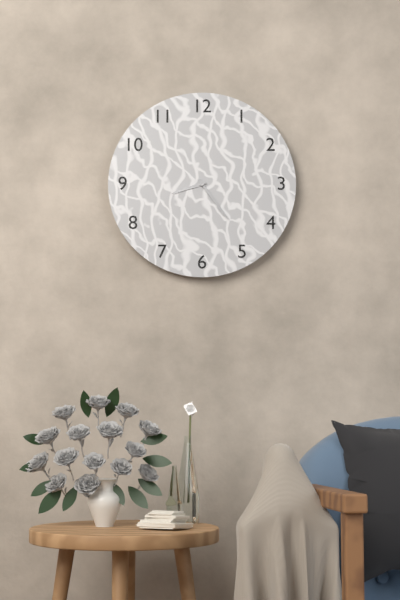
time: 8:24
